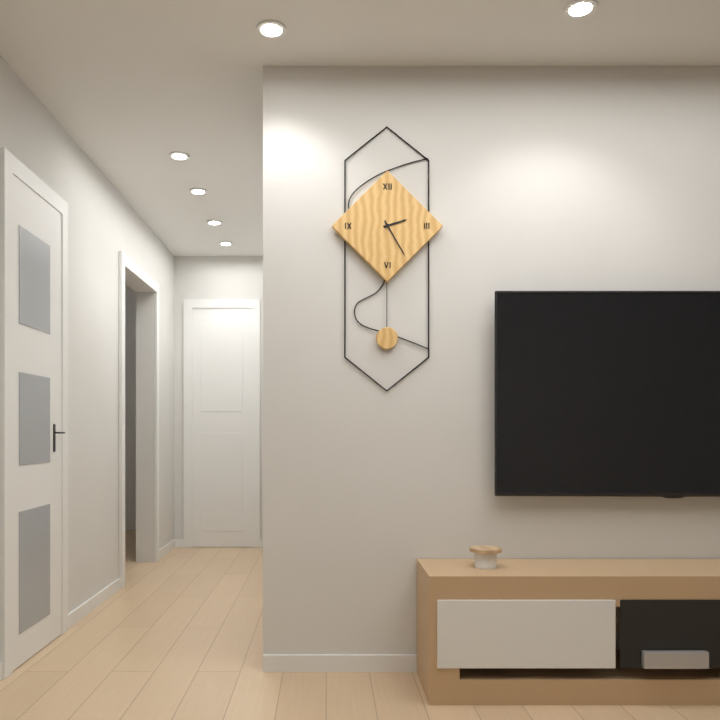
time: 2:25
